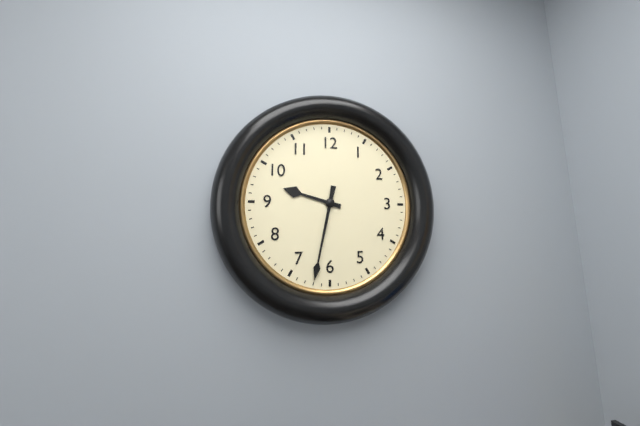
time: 9:32
